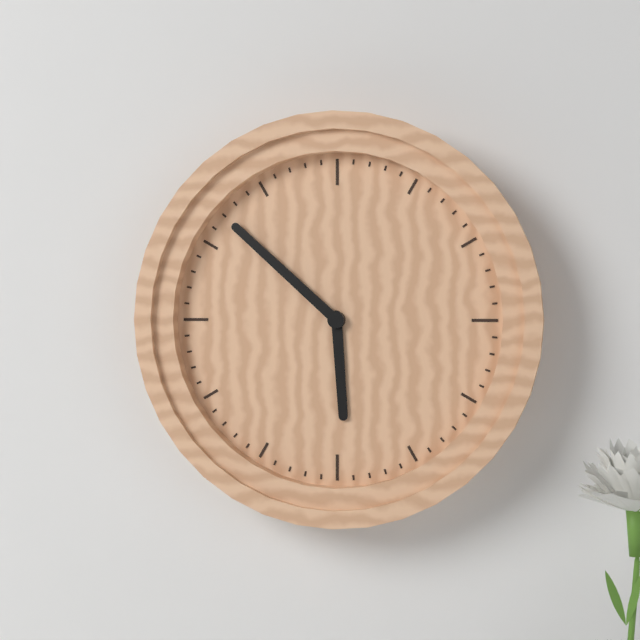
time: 5:52
